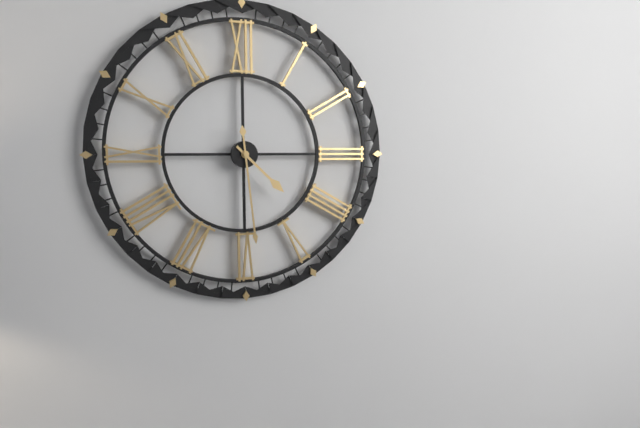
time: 4:29
